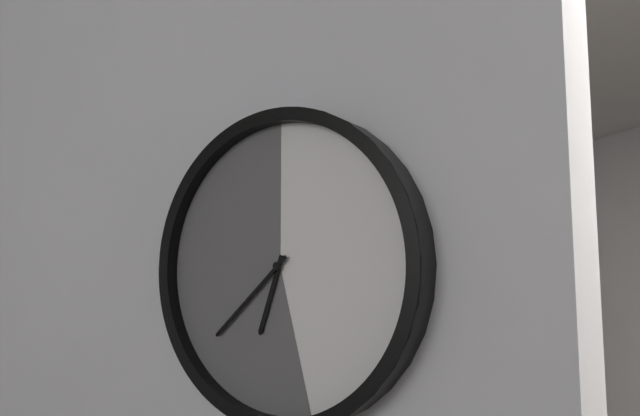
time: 6:38
